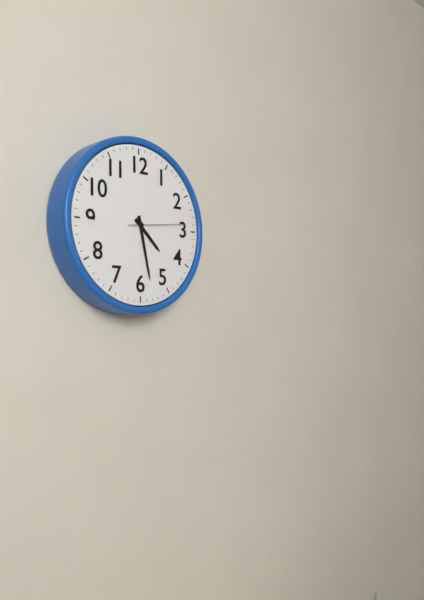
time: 4:28:14
